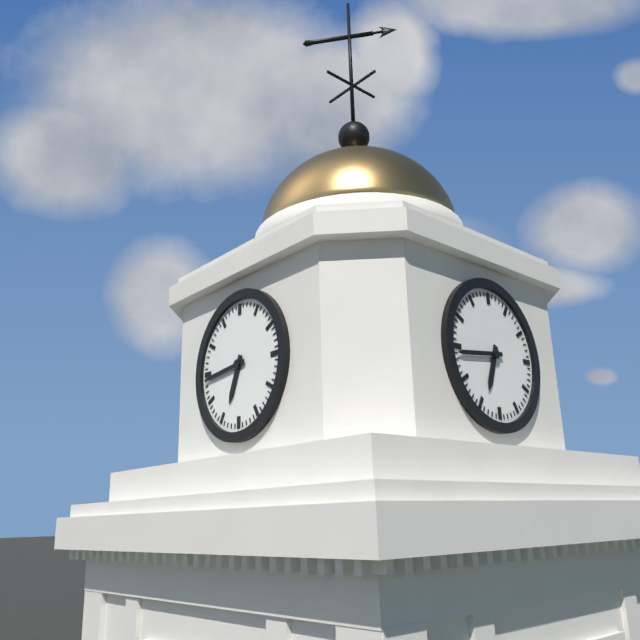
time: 6:44
